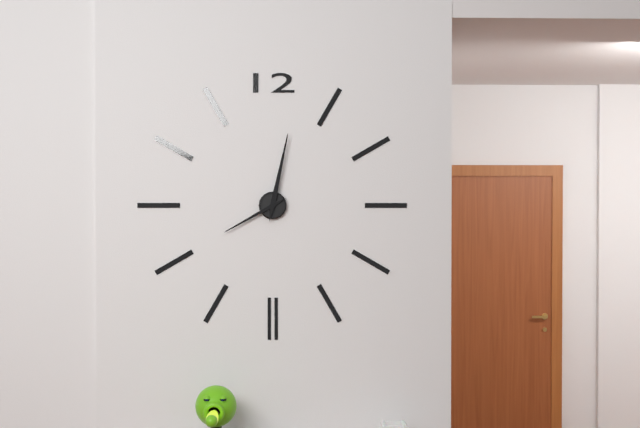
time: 8:02
